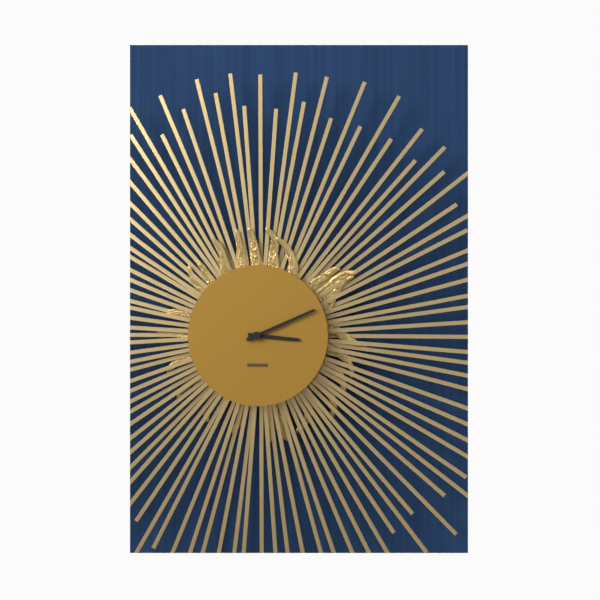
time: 3:11
